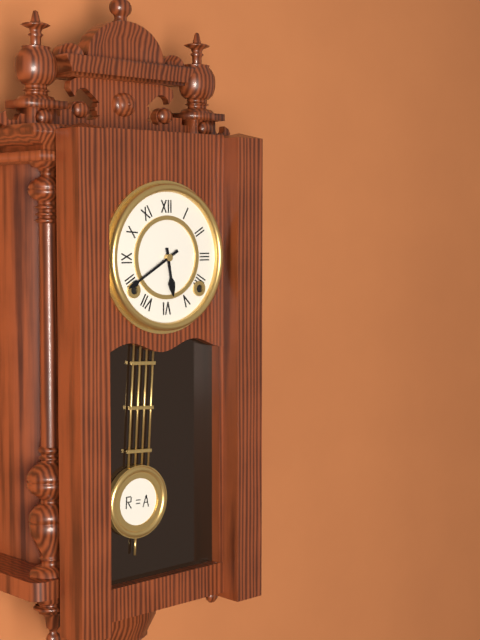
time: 5:40
